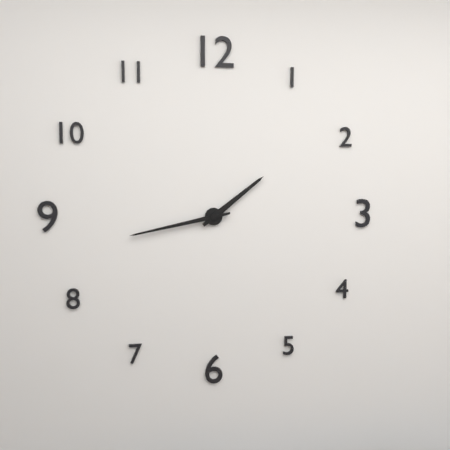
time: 1:43
